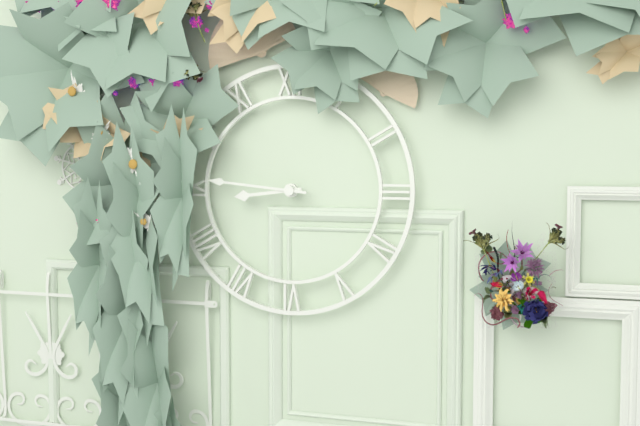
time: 8:46
